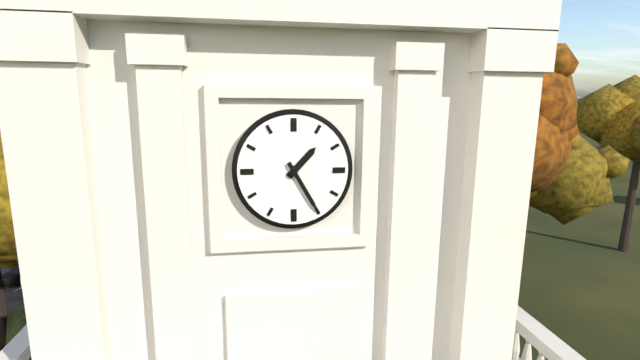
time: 1:25
